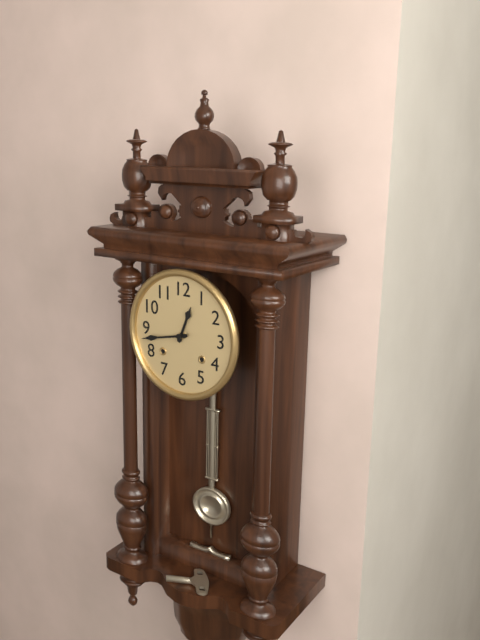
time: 12:43
